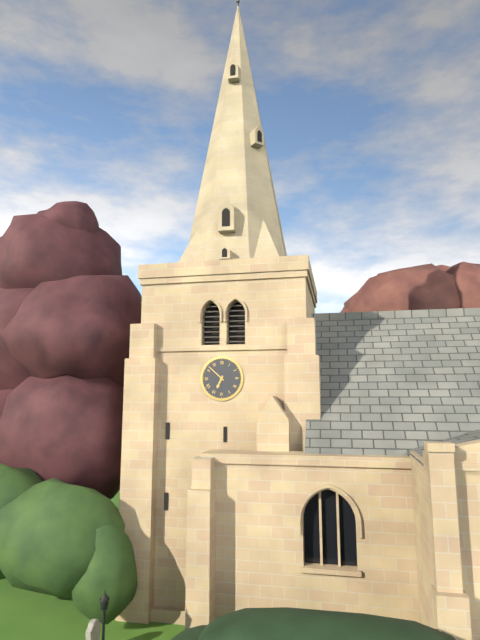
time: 6:52
